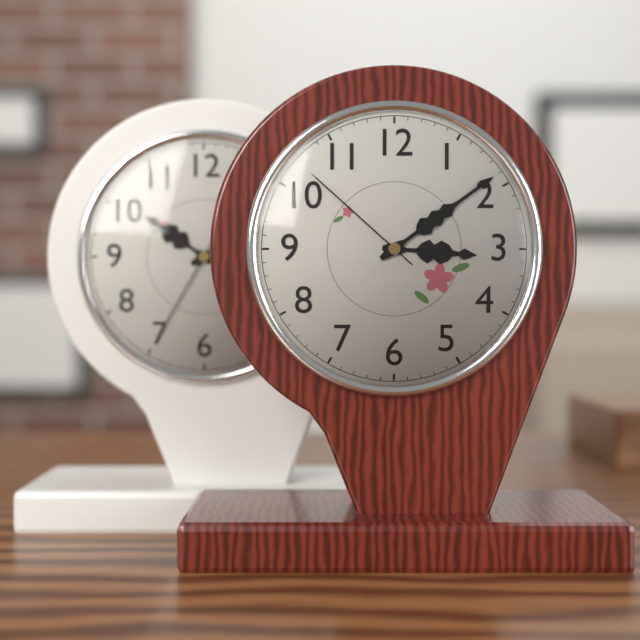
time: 3:09:52
